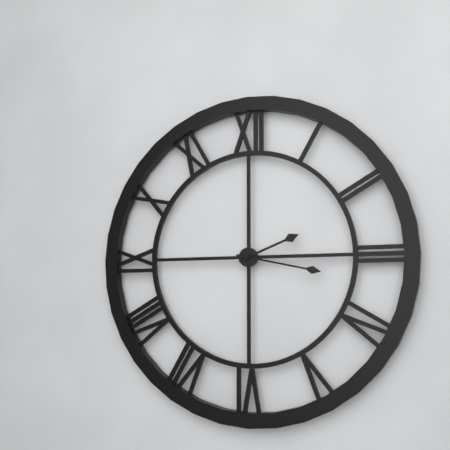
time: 2:17
